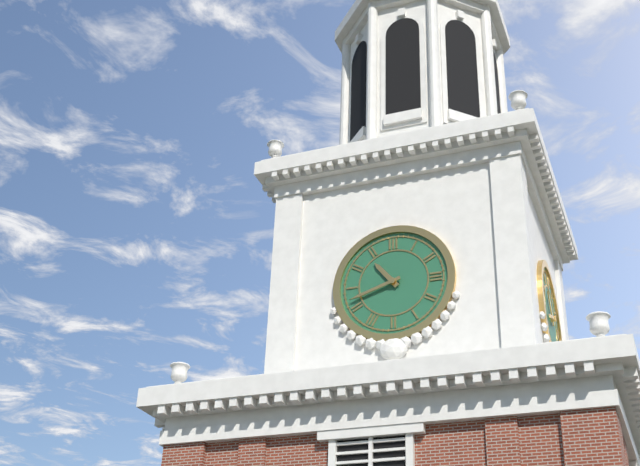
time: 10:42
